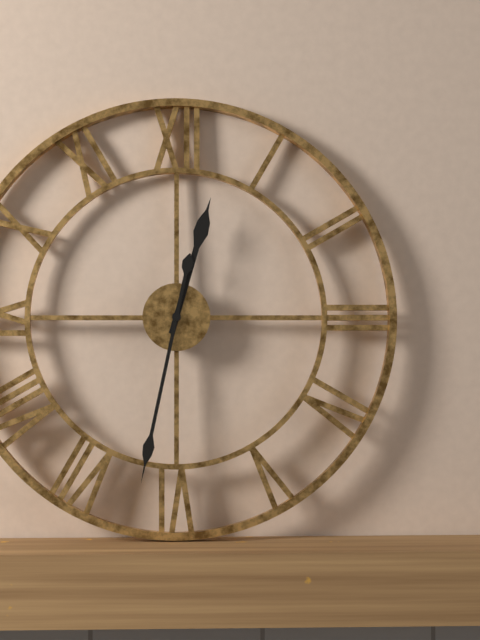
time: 12:32
